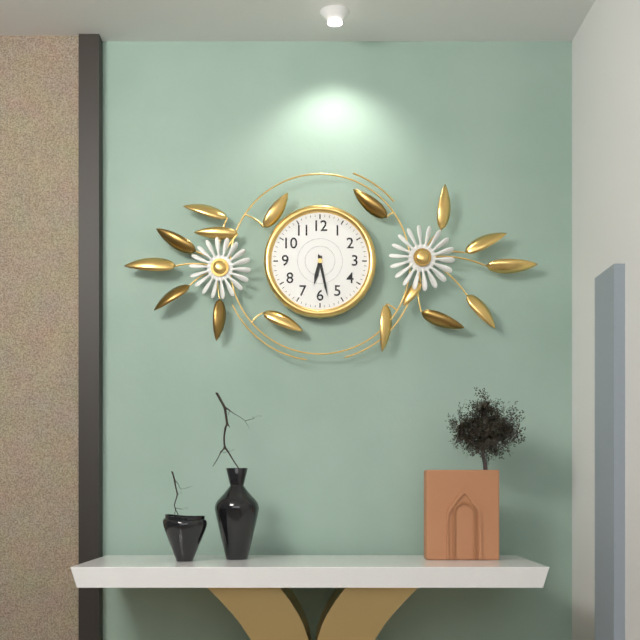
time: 6:28
